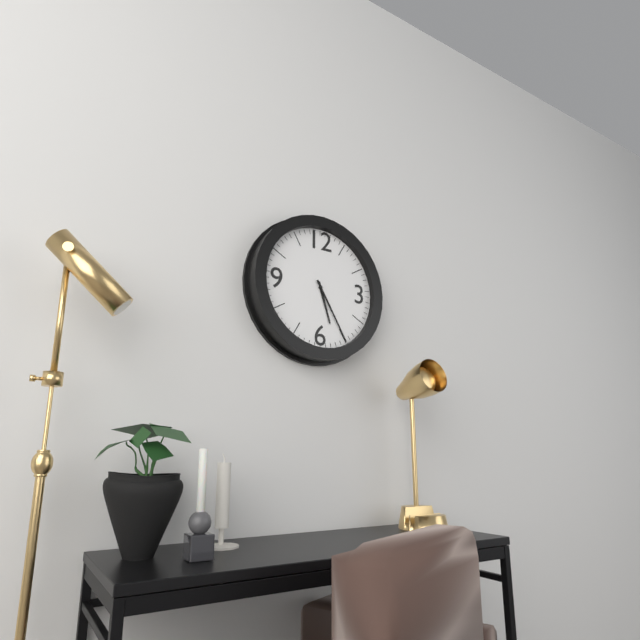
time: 5:25
